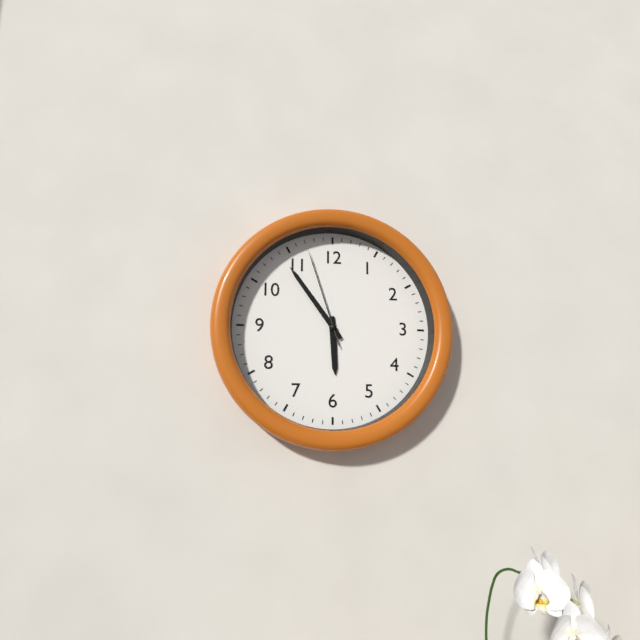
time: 5:54:57
